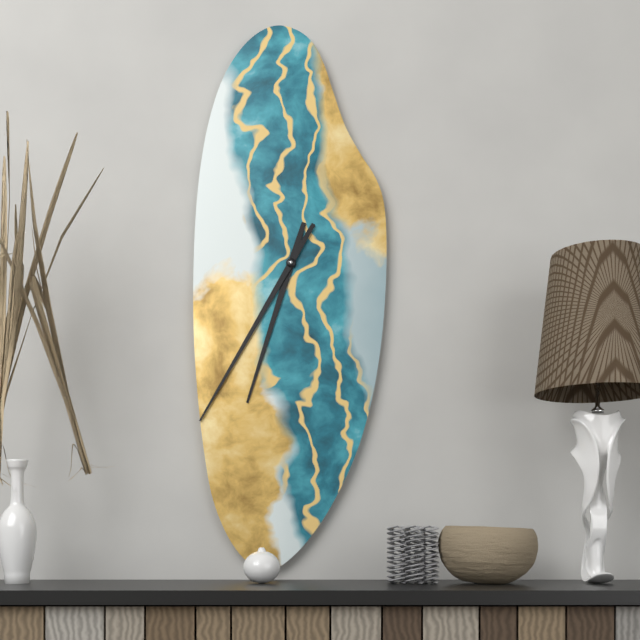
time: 6:35
